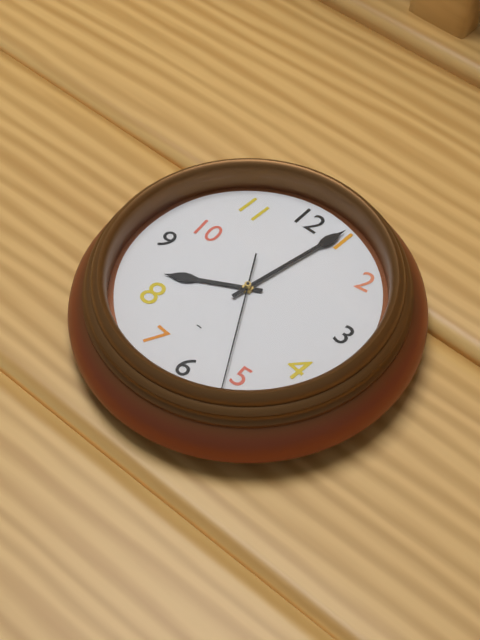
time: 8:02:25
